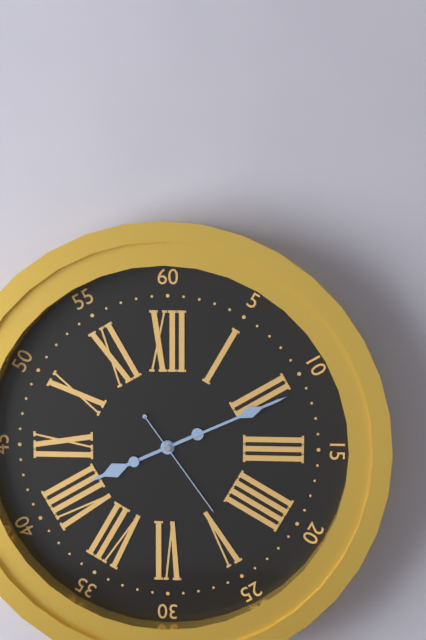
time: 8:11:24
